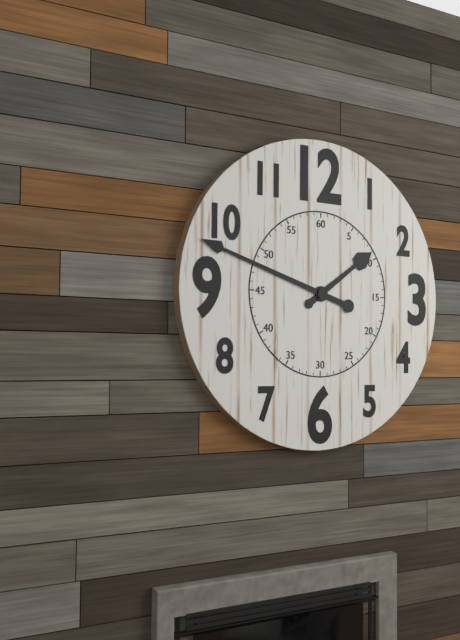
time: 1:48
